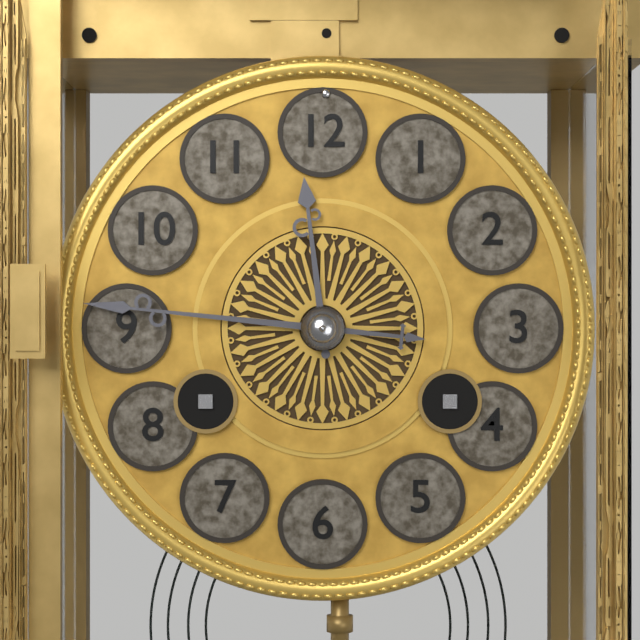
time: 11:46
